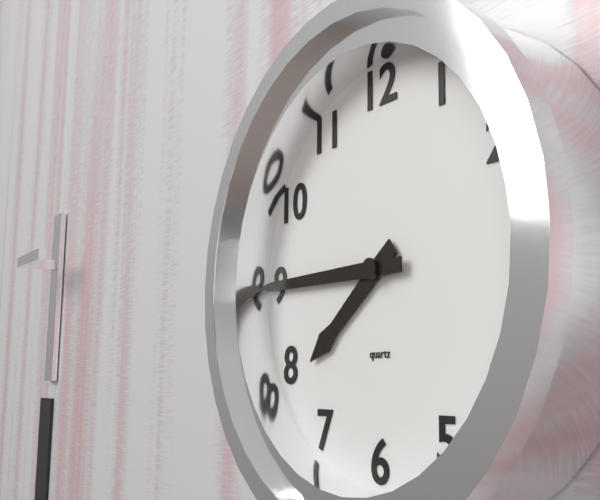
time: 7:45
